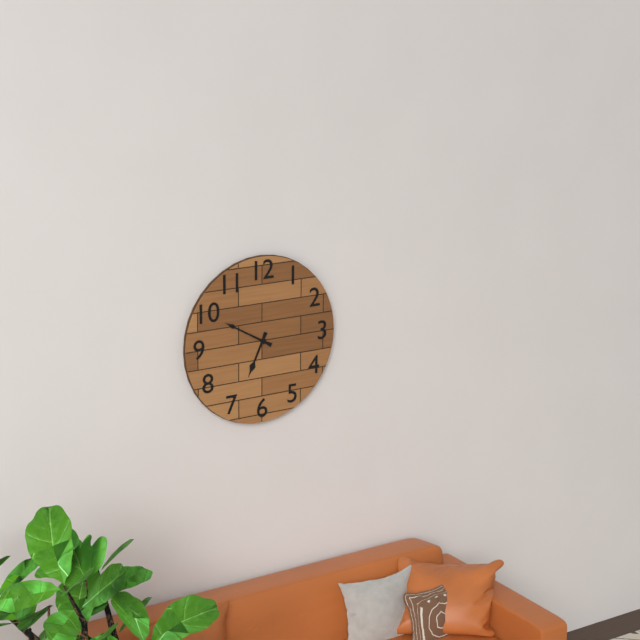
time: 6:50
